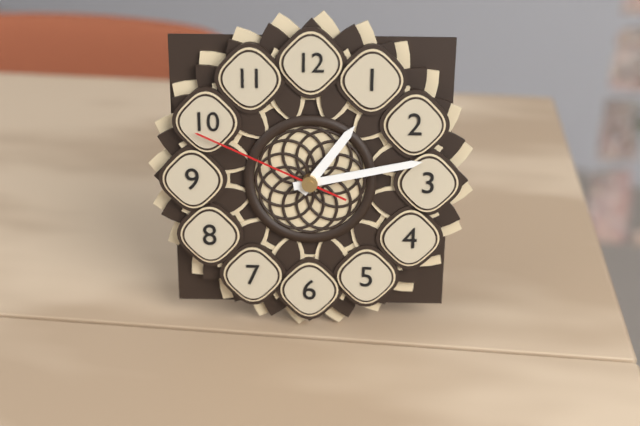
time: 1:13:49
